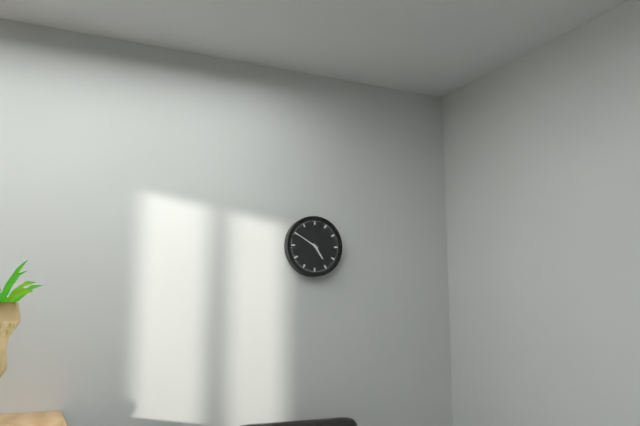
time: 4:50
